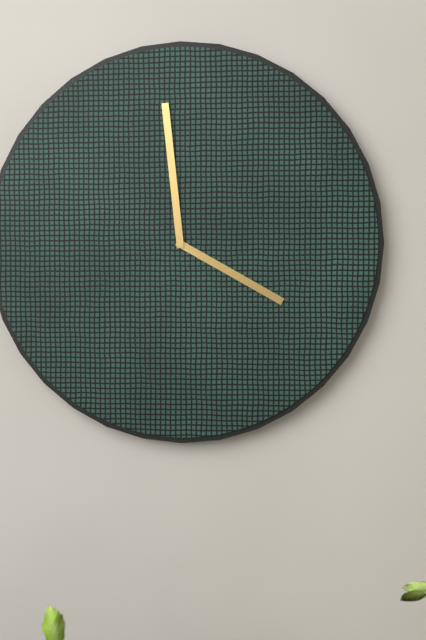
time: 3:59
